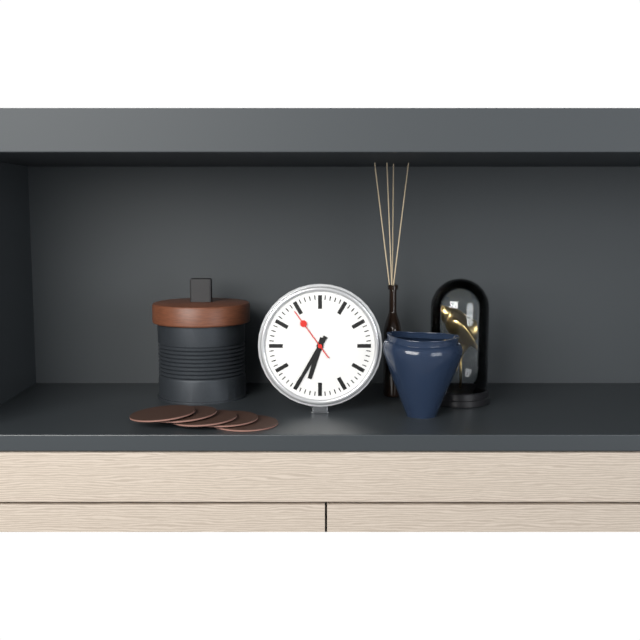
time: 6:35:54
